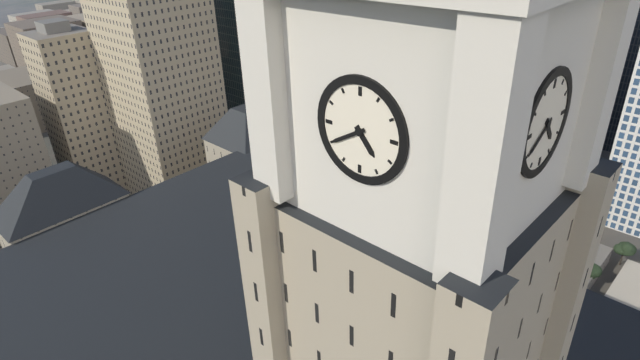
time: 4:40
